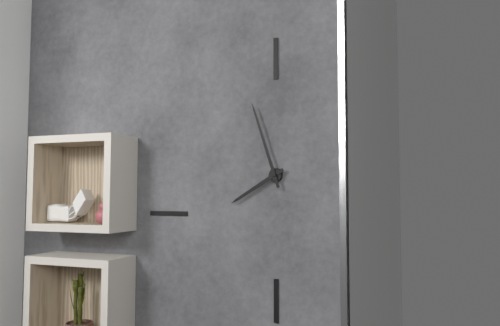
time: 7:57
